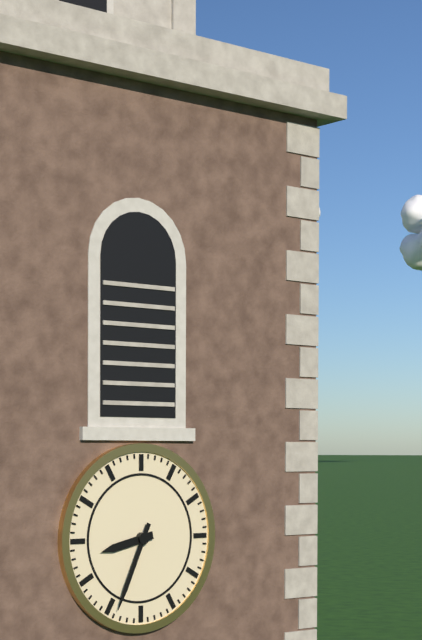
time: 8:34
